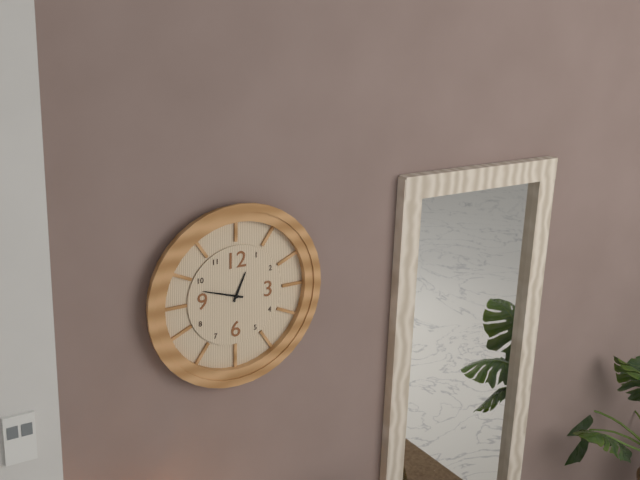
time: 12:48
